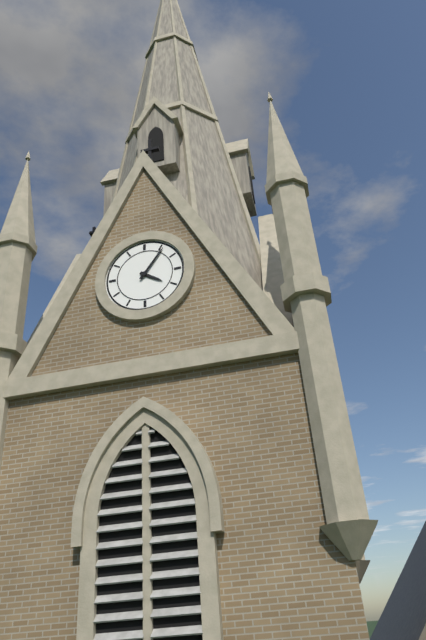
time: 4:06
